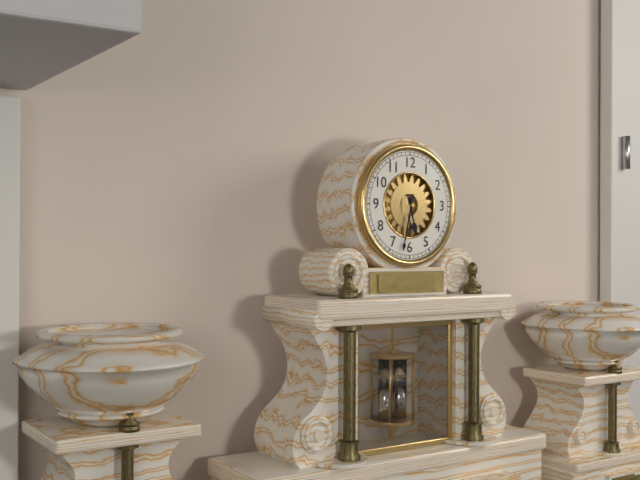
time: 5:32
